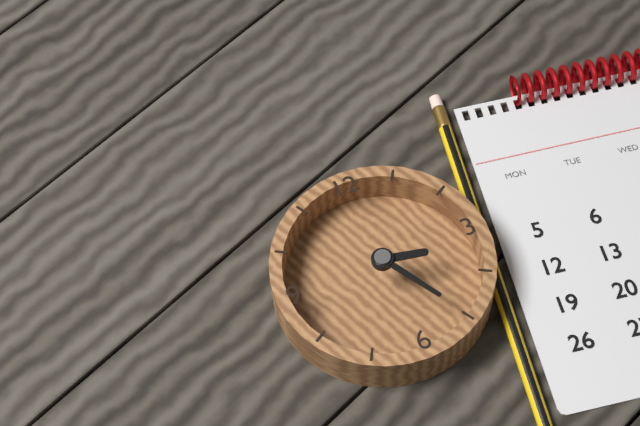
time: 3:25
